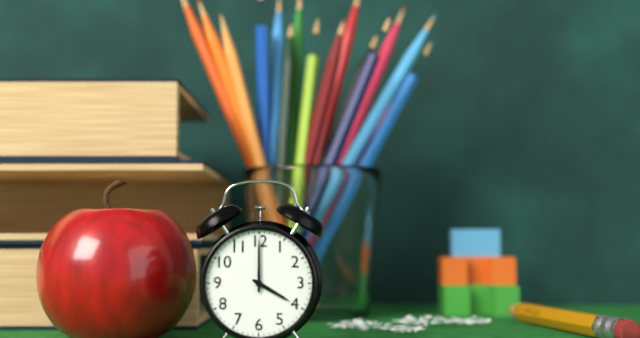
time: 4:00
